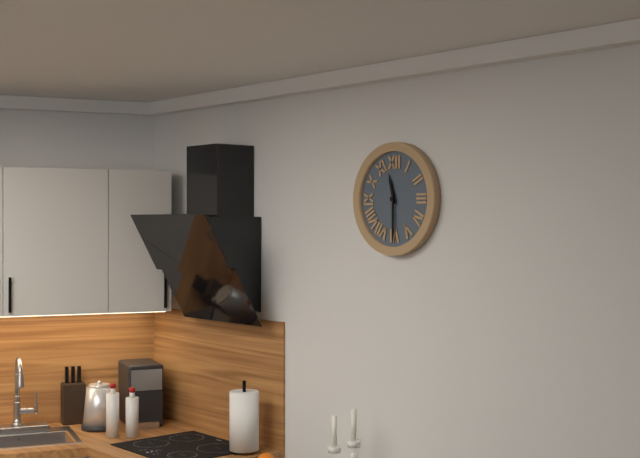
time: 11:30
